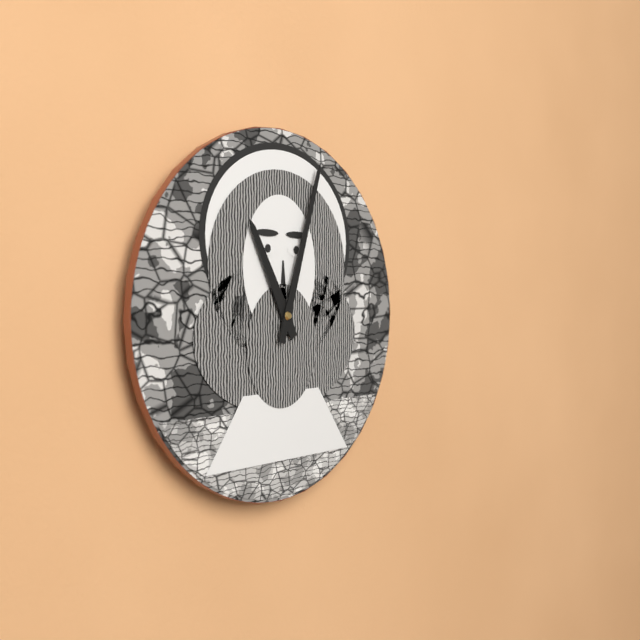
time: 11:03
